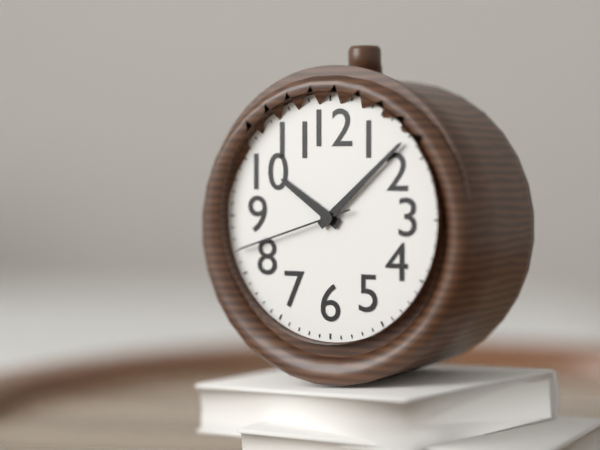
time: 10:08:42
